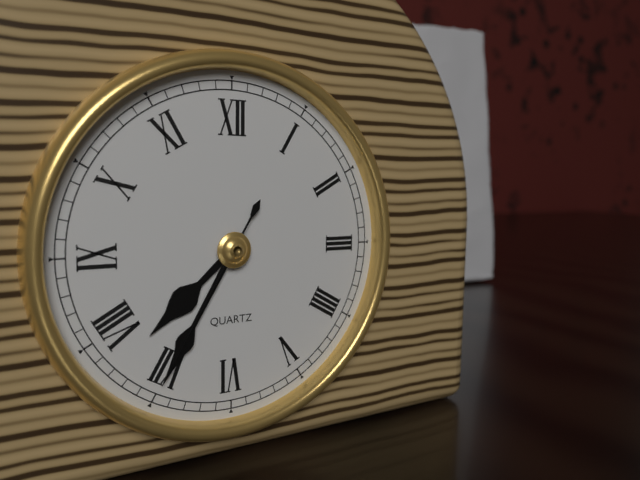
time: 7:35:35
